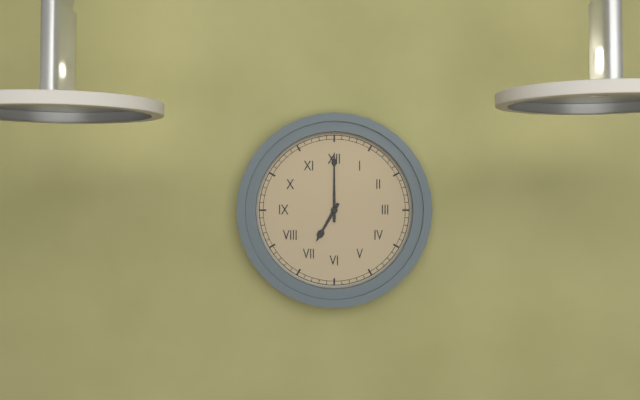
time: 7:00
